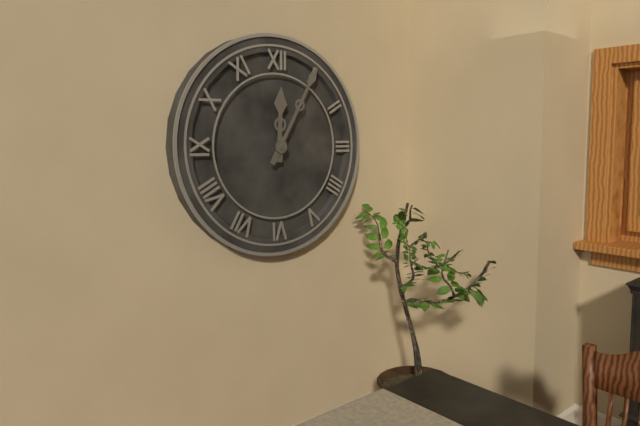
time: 12:05
